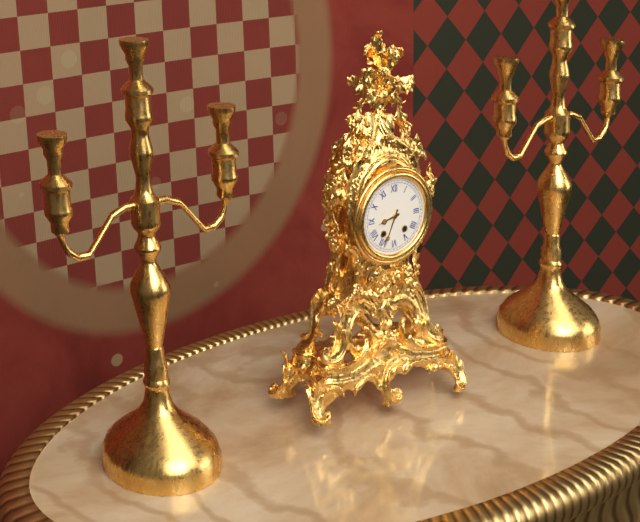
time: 8:34
